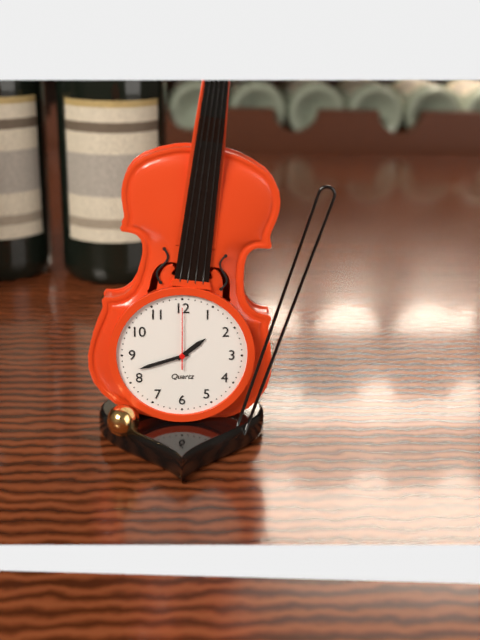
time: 1:42:00
